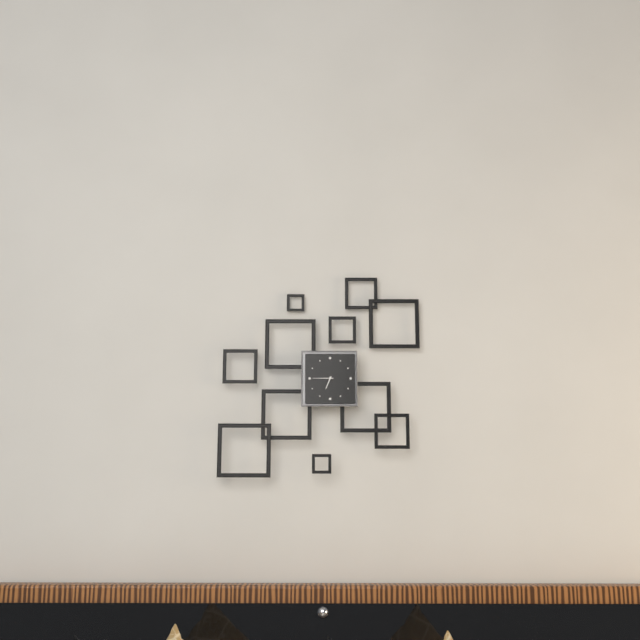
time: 6:45
